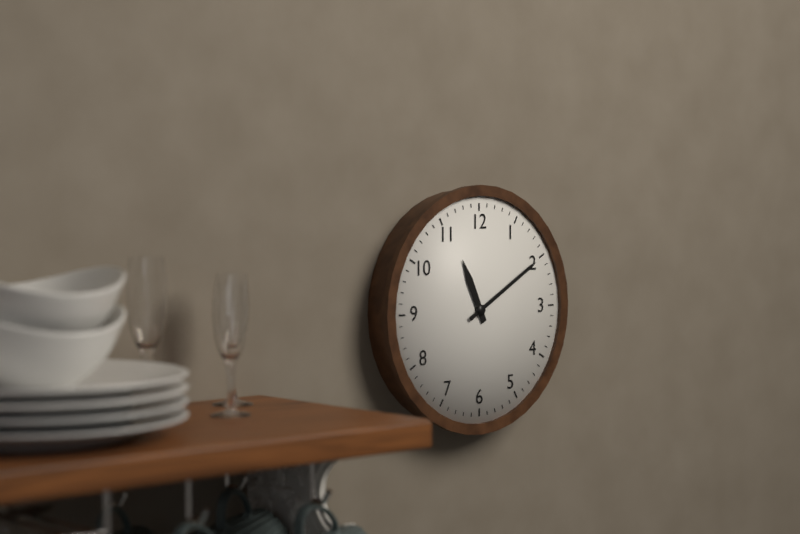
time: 11:10
